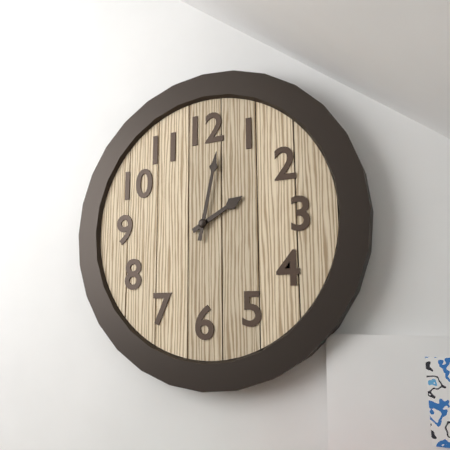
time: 2:02
